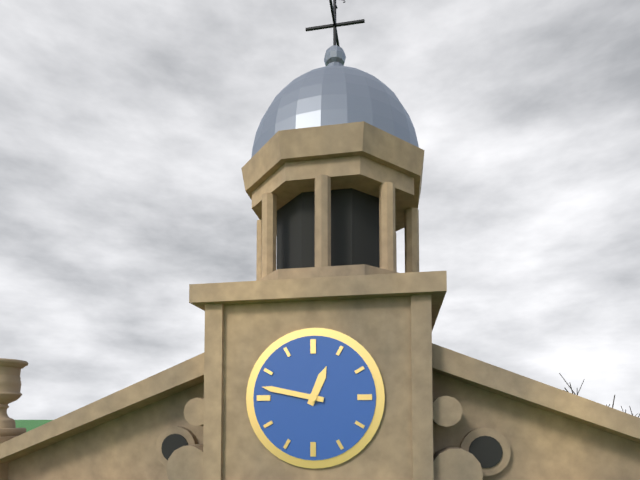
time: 12:47
